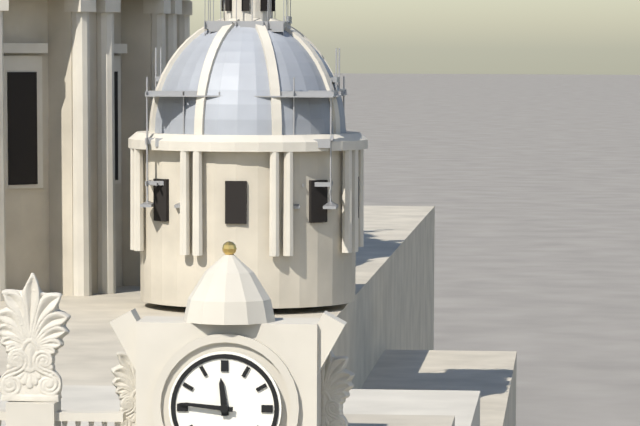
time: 11:46
